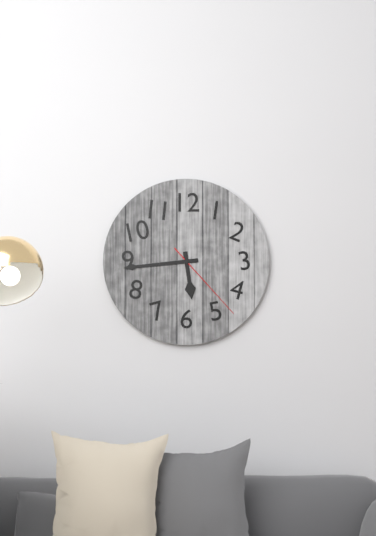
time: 5:44:23
